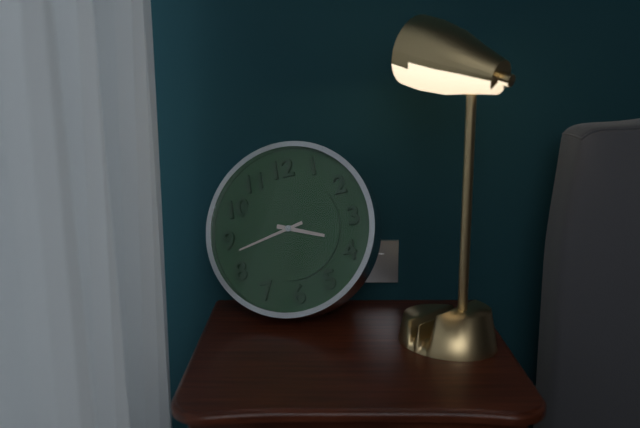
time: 3:43
